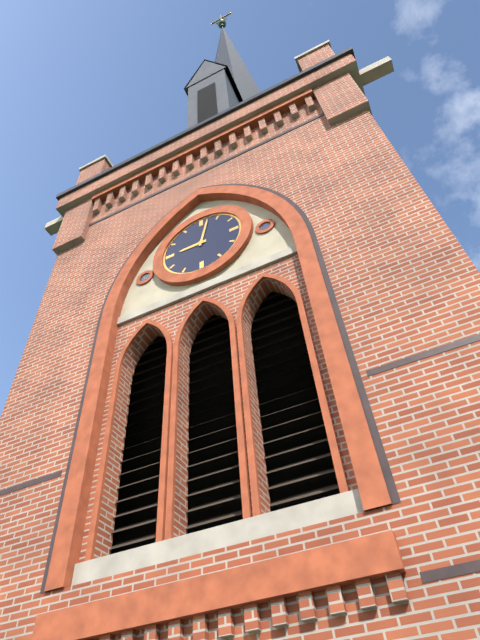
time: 9:02
